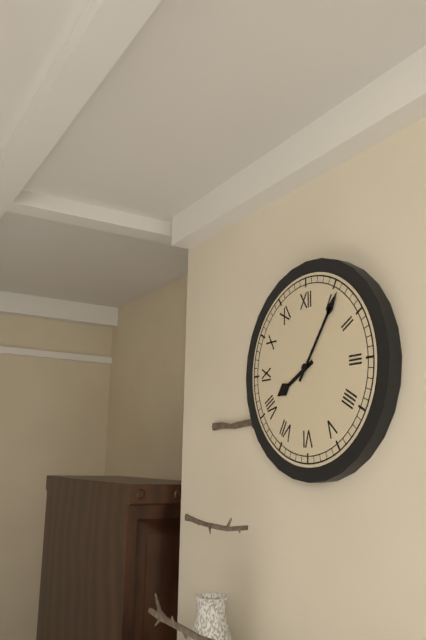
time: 8:06
